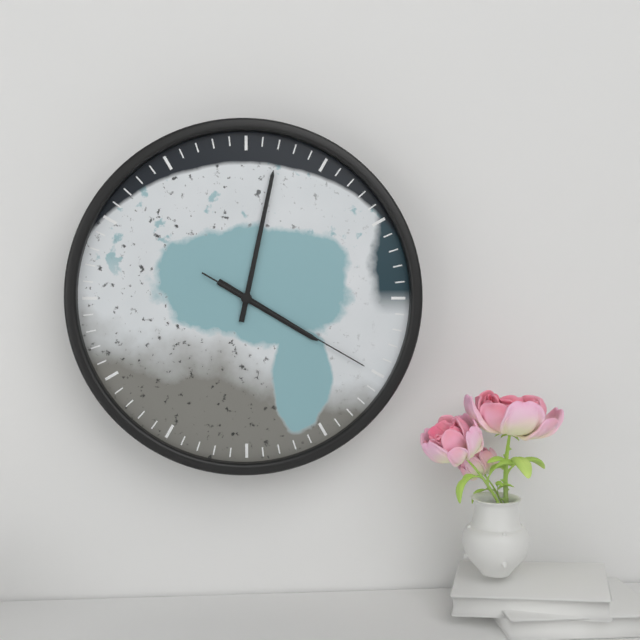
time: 4:02:20
